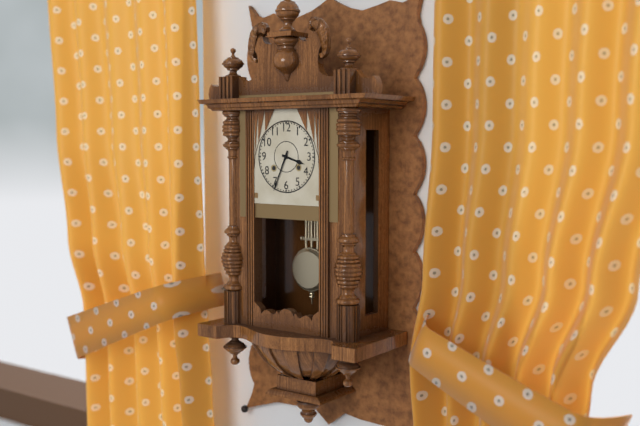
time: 3:34
